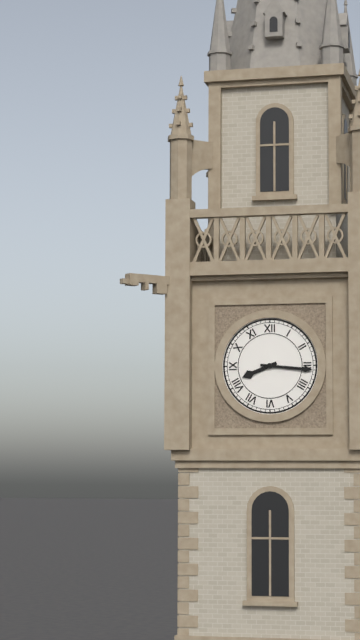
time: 8:16
